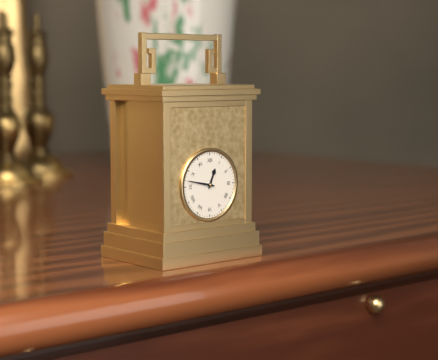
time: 12:47
